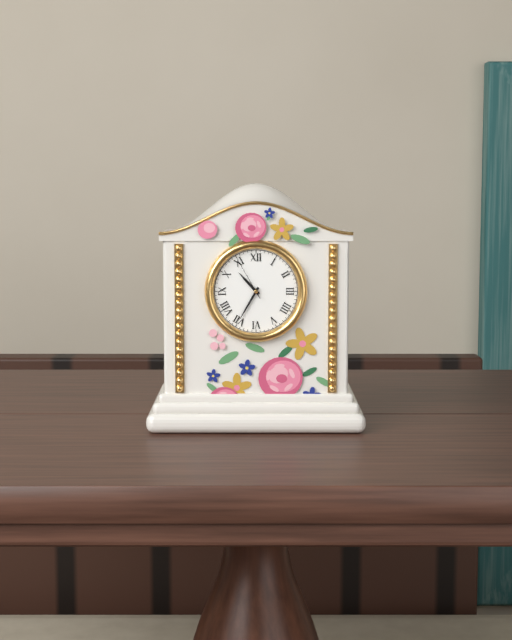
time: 10:35
